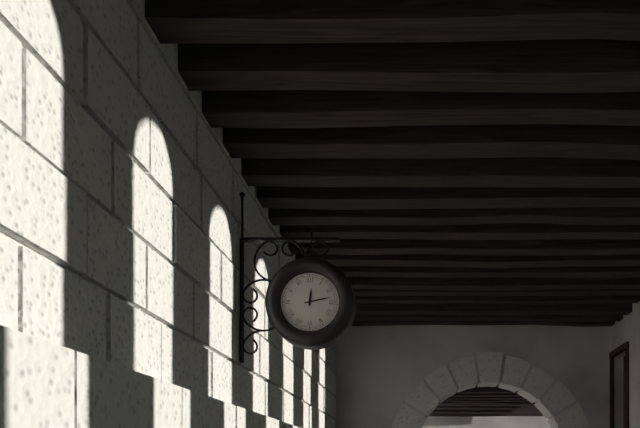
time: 12:13
